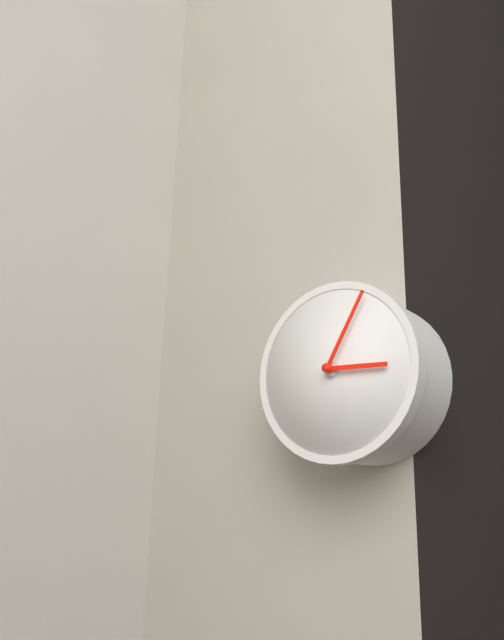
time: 3:05
